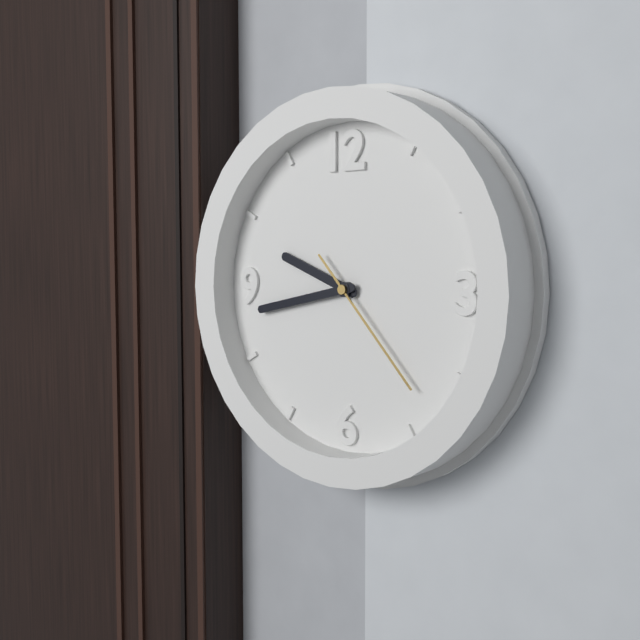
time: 9:43:23
